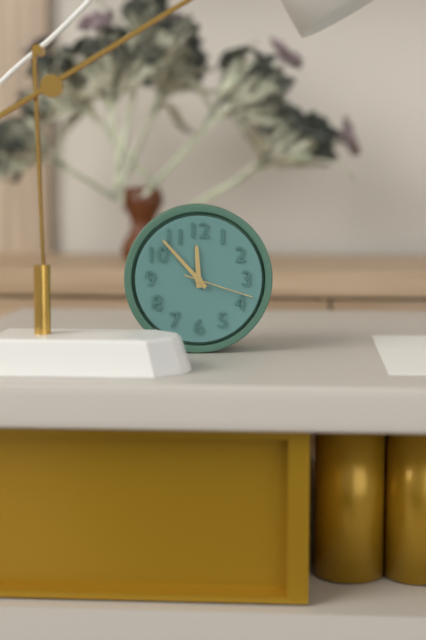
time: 11:53:18
